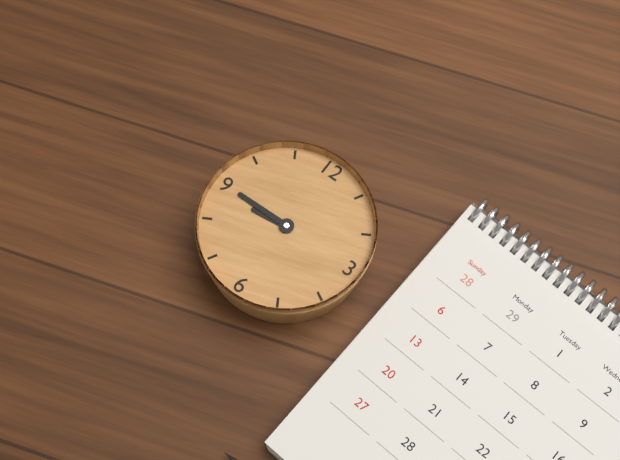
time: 8:45
